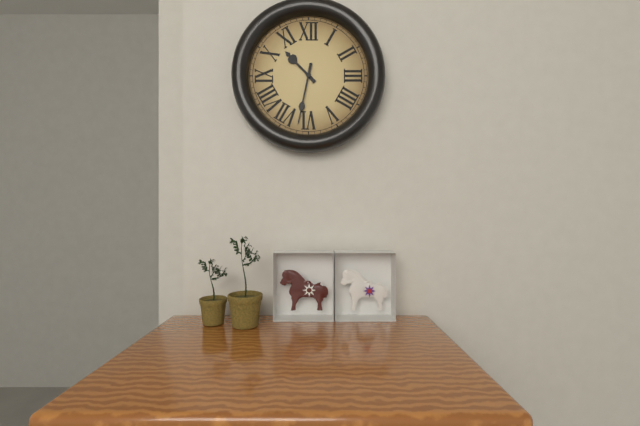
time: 10:32
